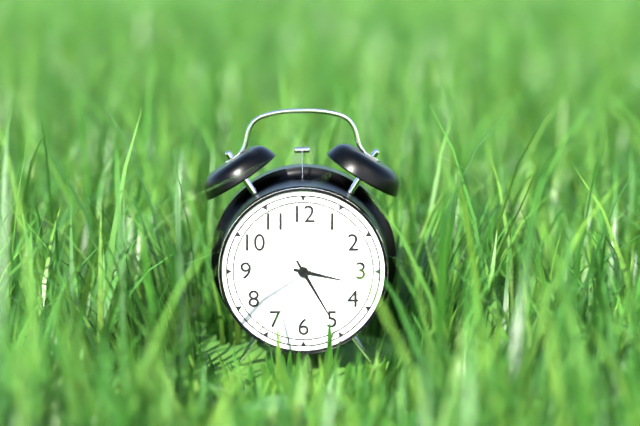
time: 3:25
